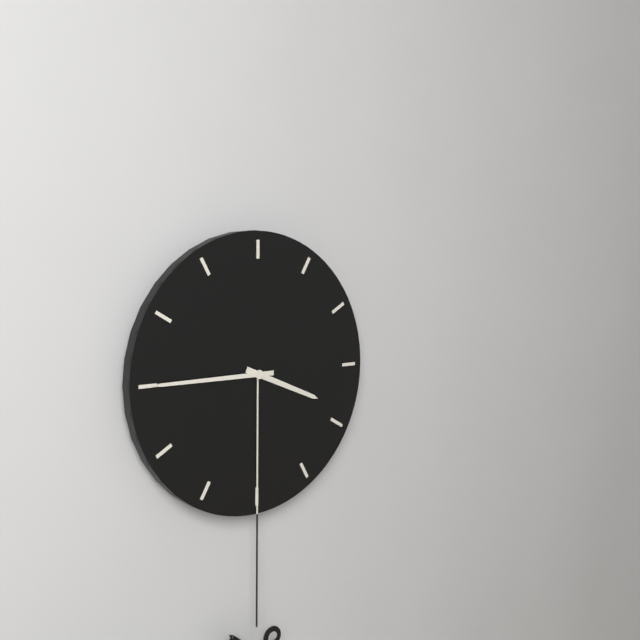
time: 3:45
